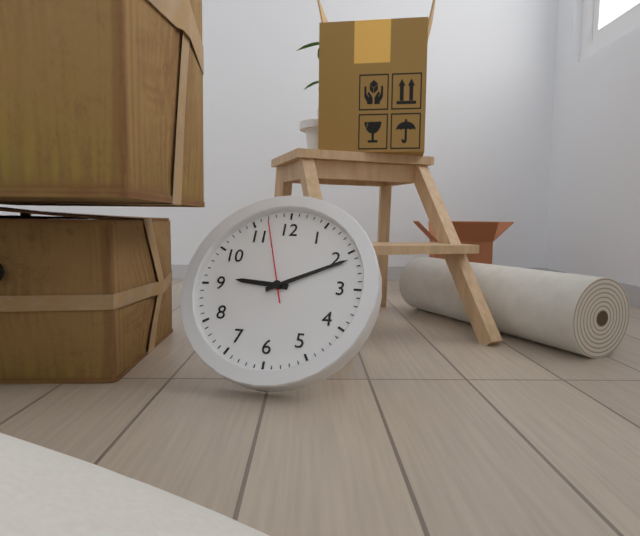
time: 9:11:57
